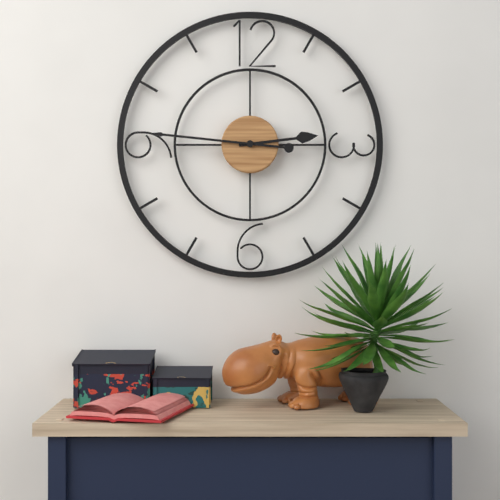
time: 2:46
